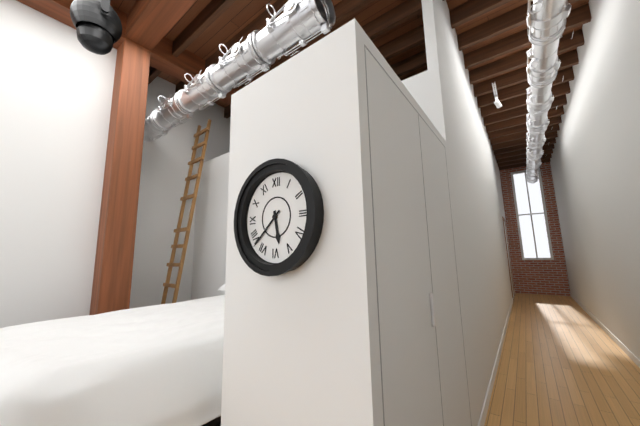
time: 5:38
